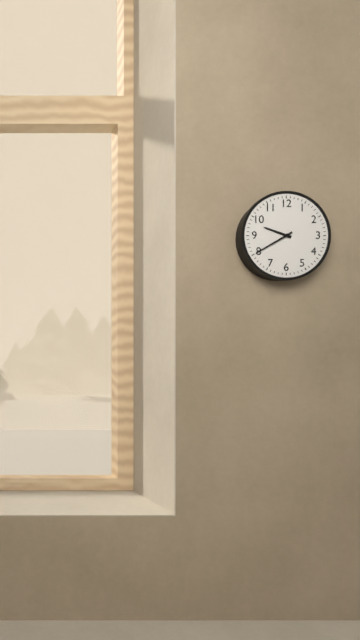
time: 9:40
